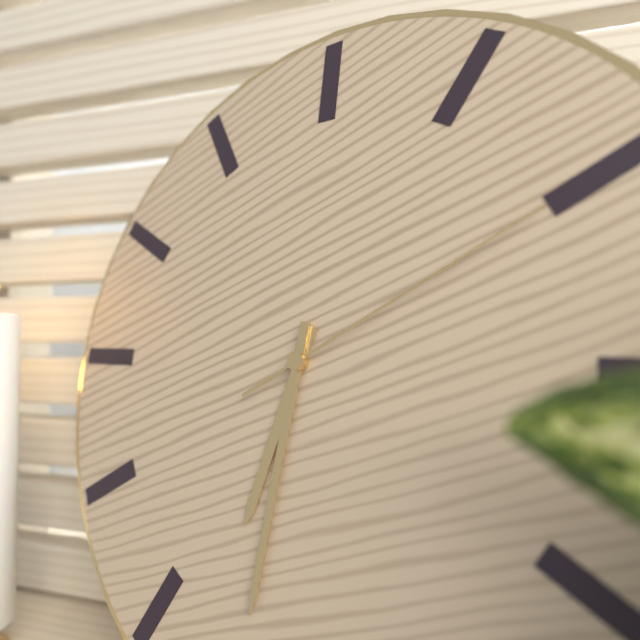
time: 6:31:10
